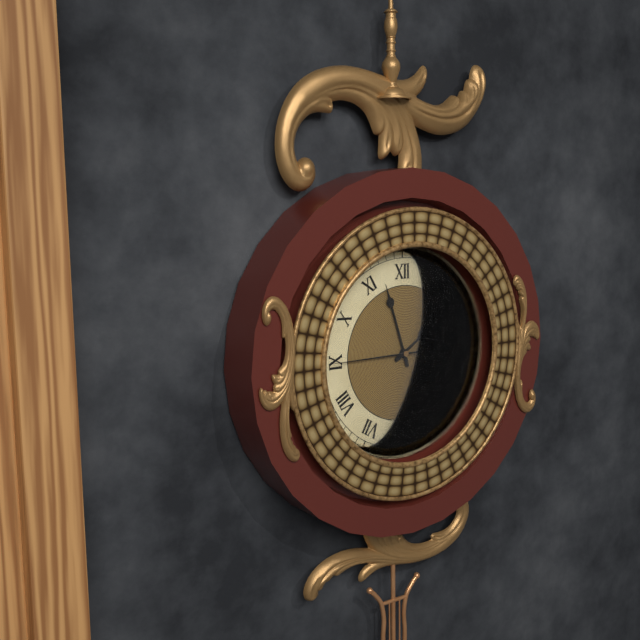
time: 1:57:45
